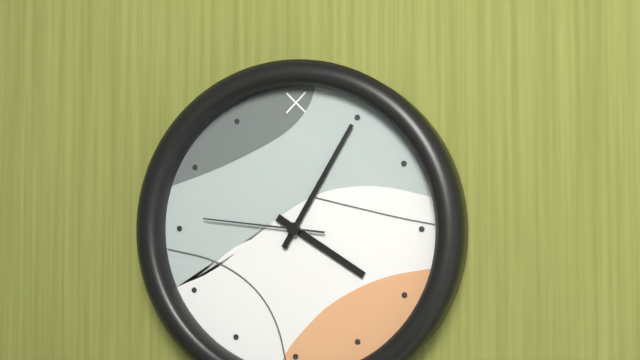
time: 4:05:46
